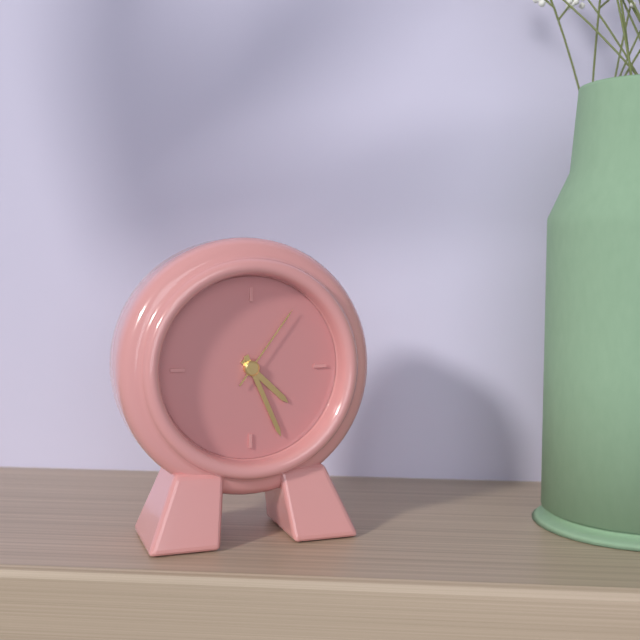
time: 4:26:06
